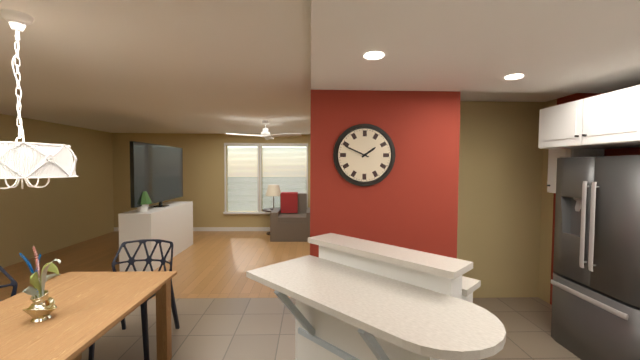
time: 1:49
